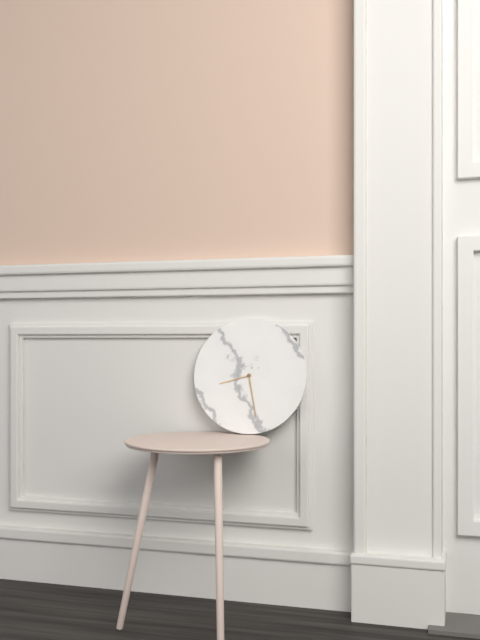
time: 8:28
